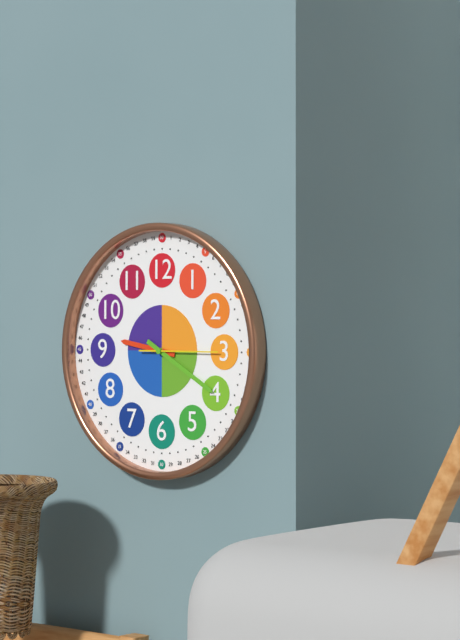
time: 9:20:15
